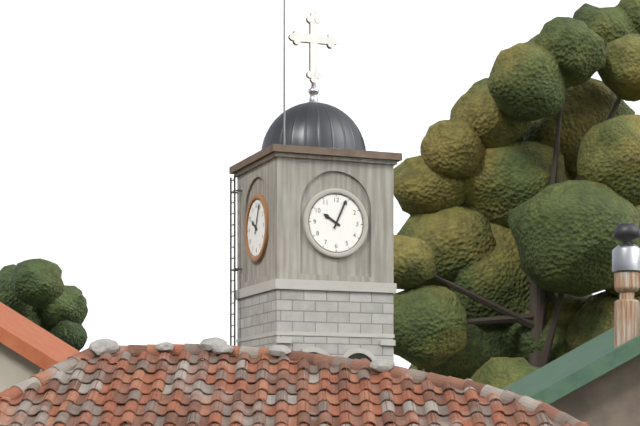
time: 10:04
